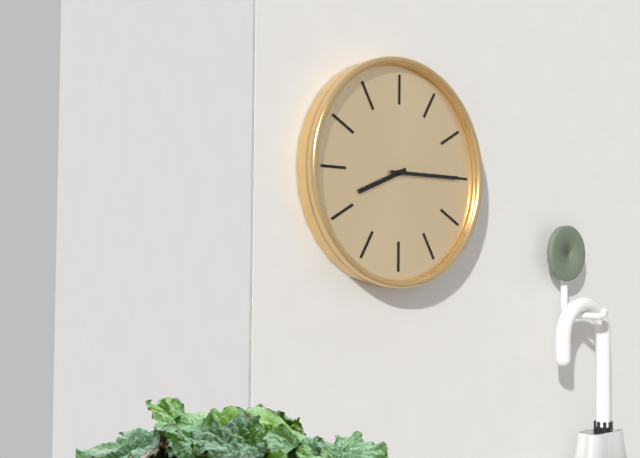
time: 8:15
